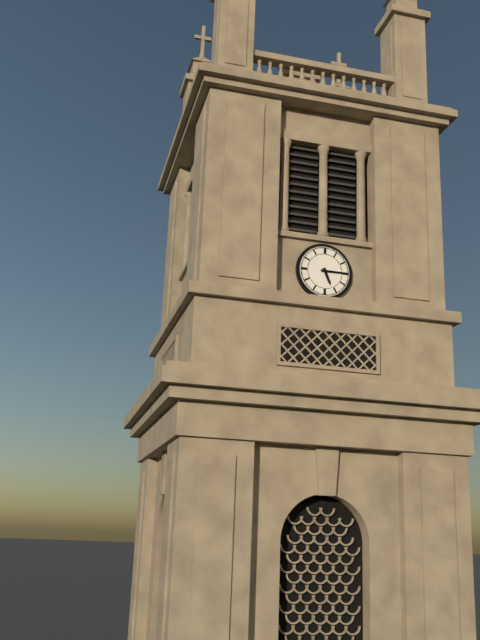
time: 5:15
